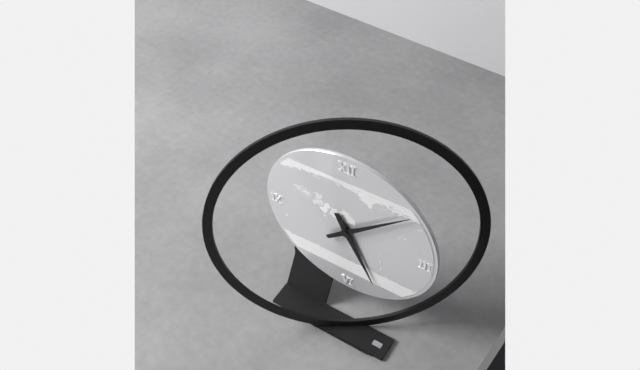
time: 5:08
